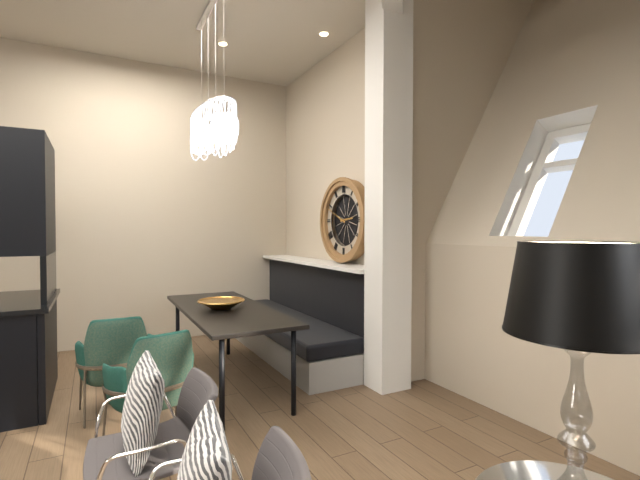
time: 2:49
